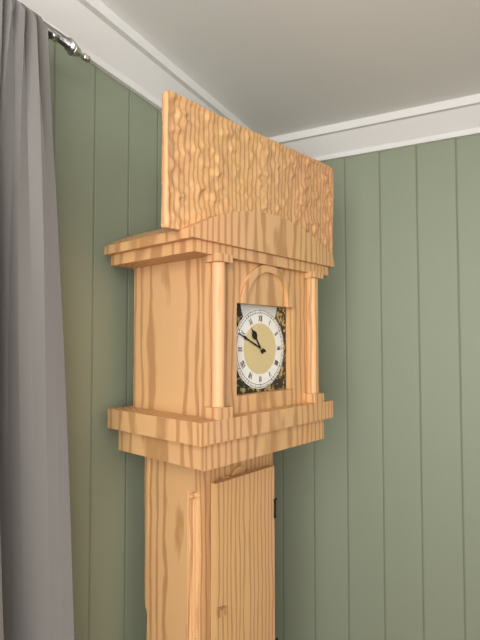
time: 10:49
